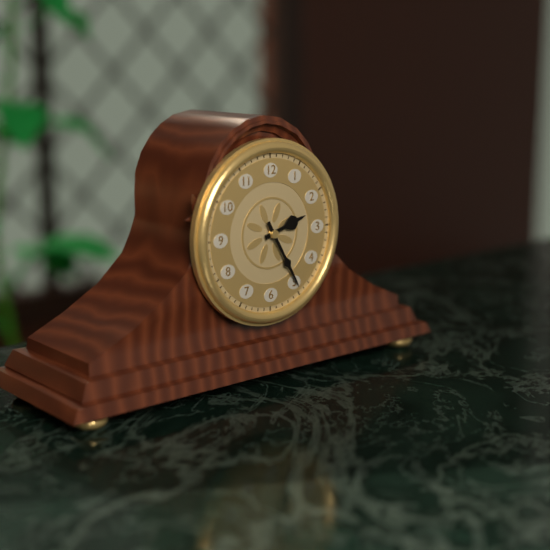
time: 2:25
